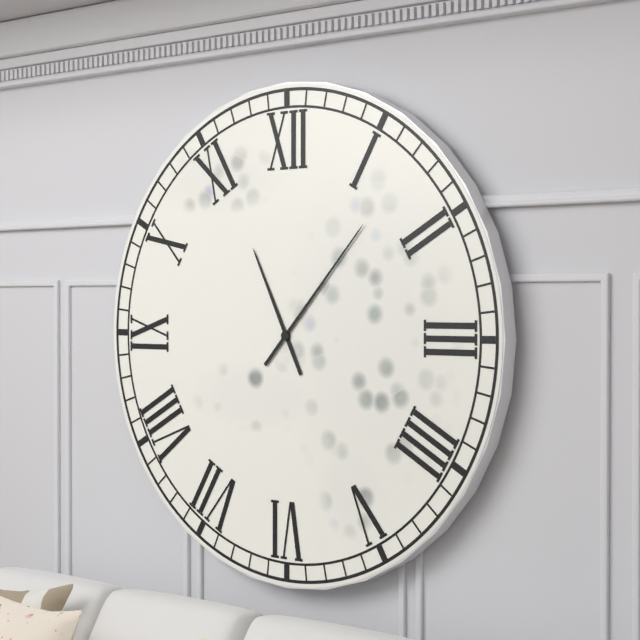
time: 11:07
